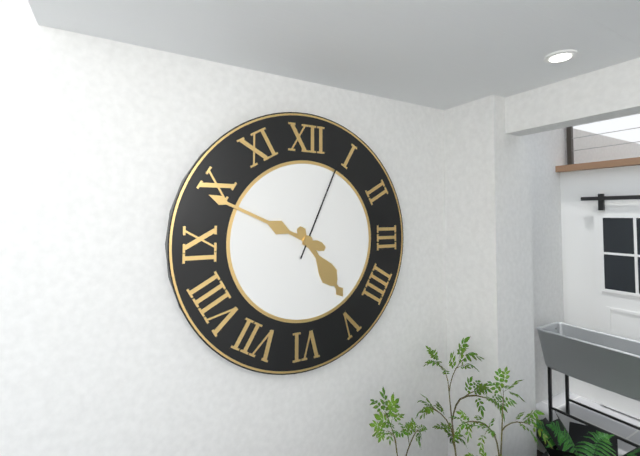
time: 4:49:04
